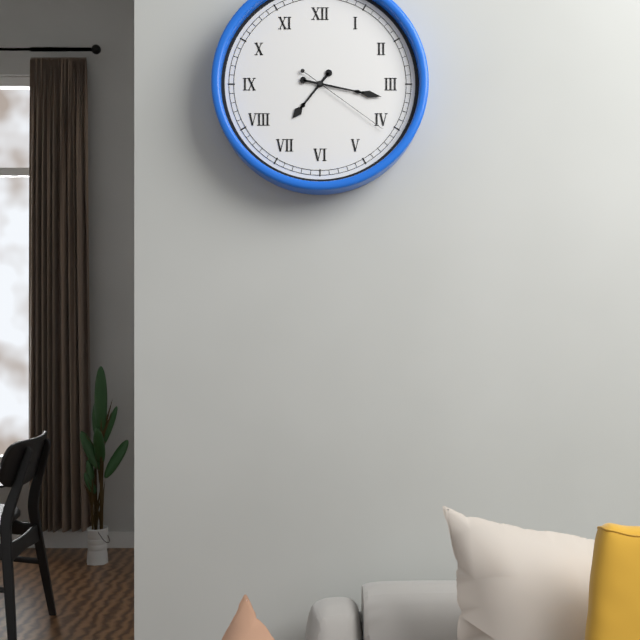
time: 7:17:21
